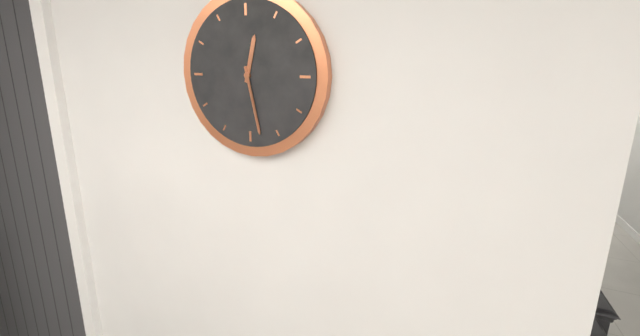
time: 12:28
